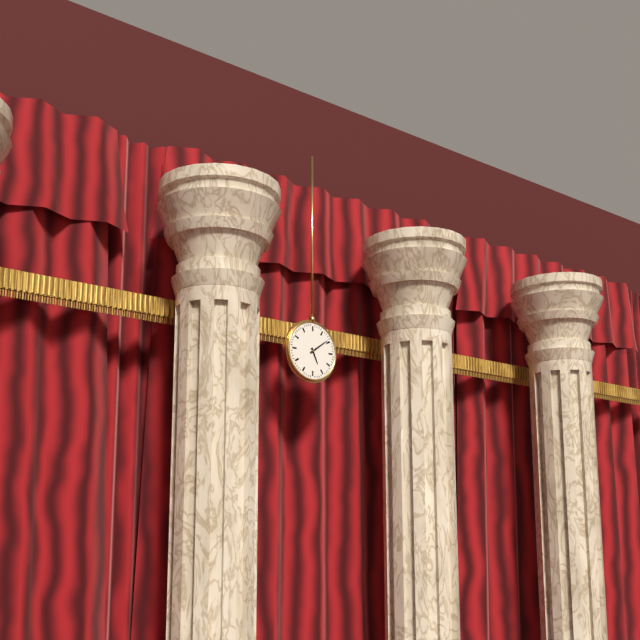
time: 5:09
